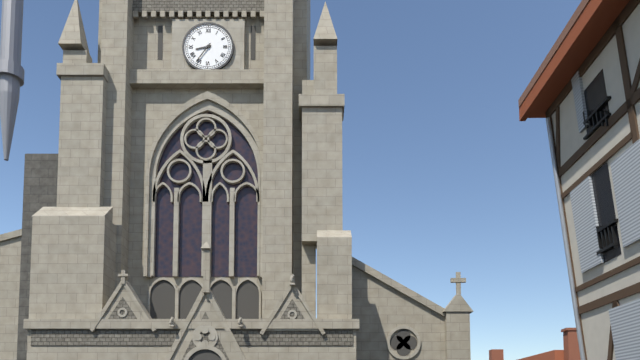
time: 8:36
